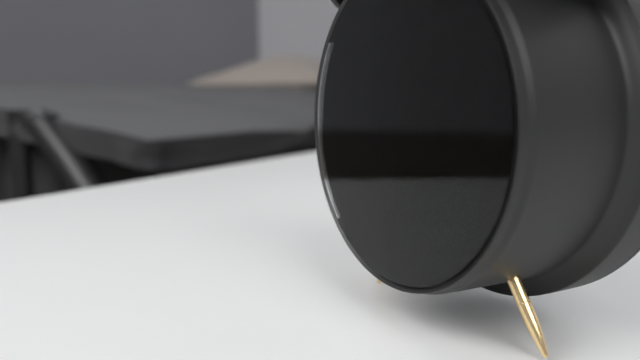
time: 1:09:11
